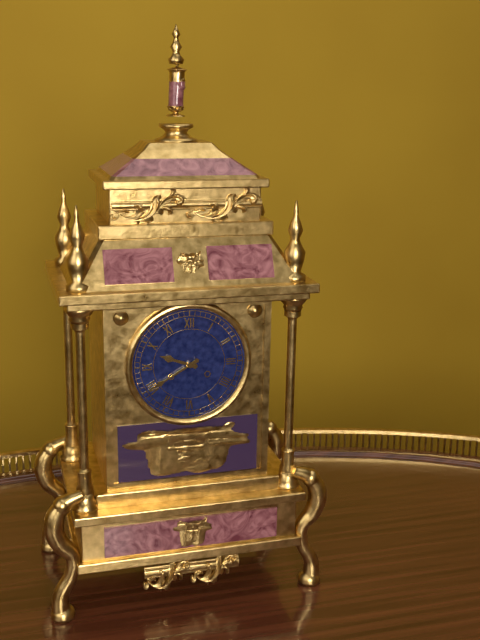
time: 9:40
